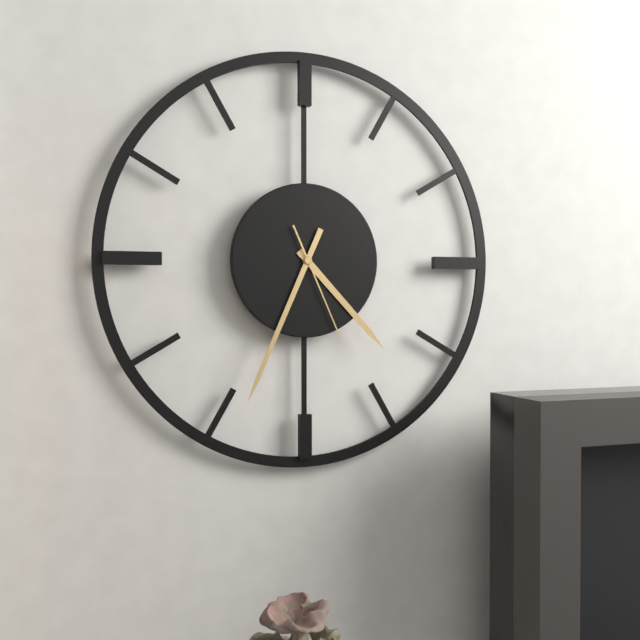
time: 4:34:26
